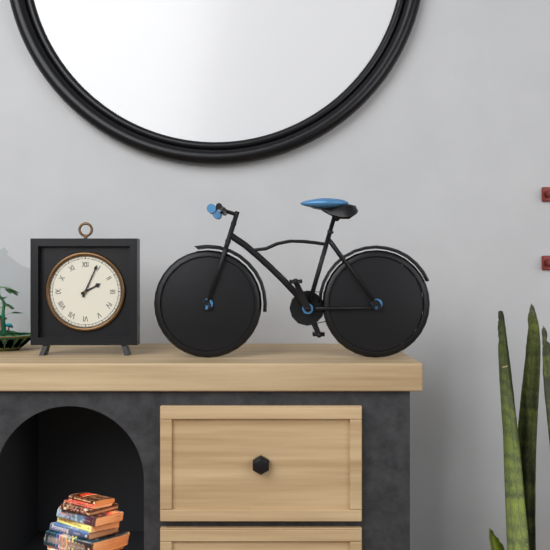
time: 2:04
